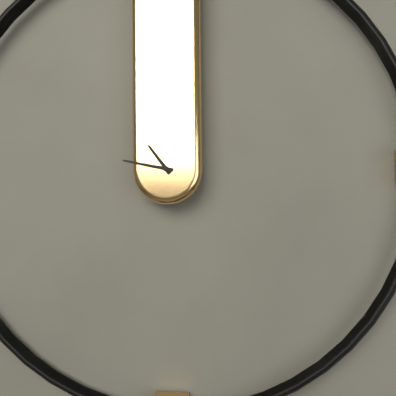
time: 10:47
